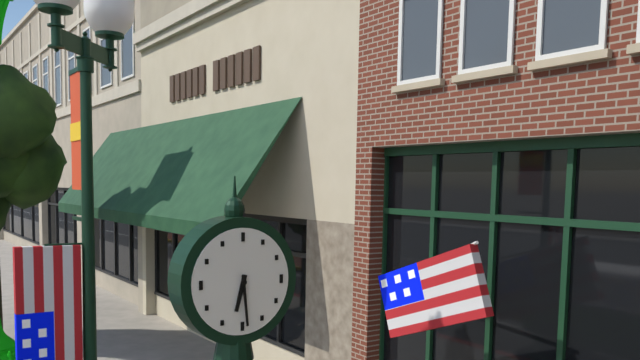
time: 6:29
